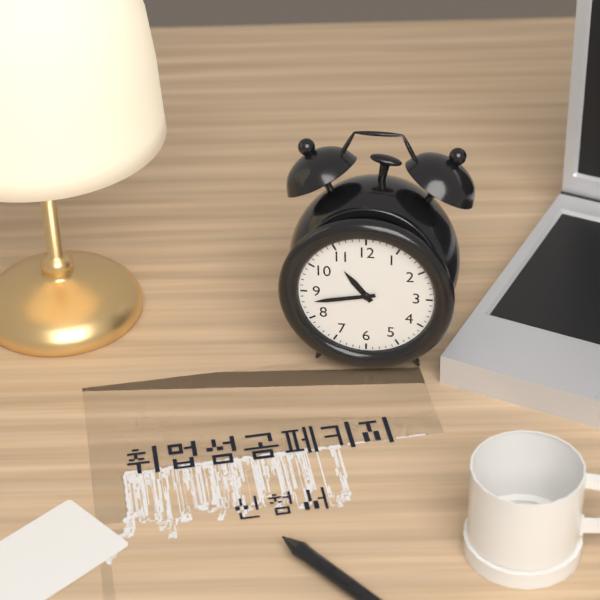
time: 10:43
